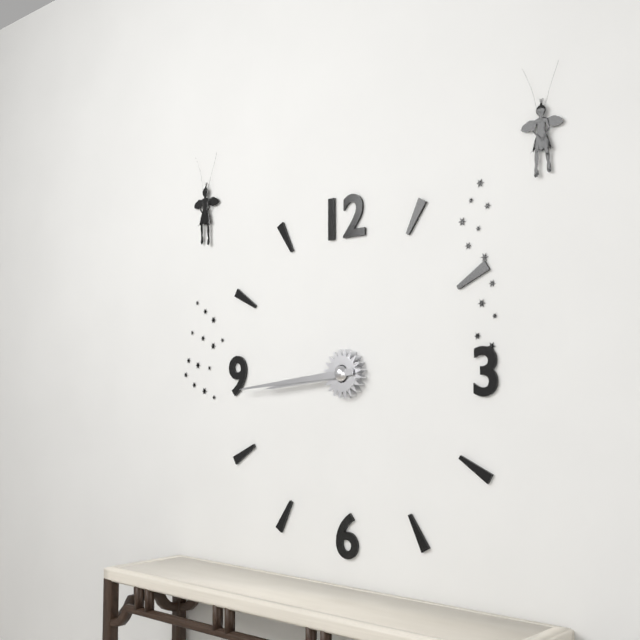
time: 8:44
